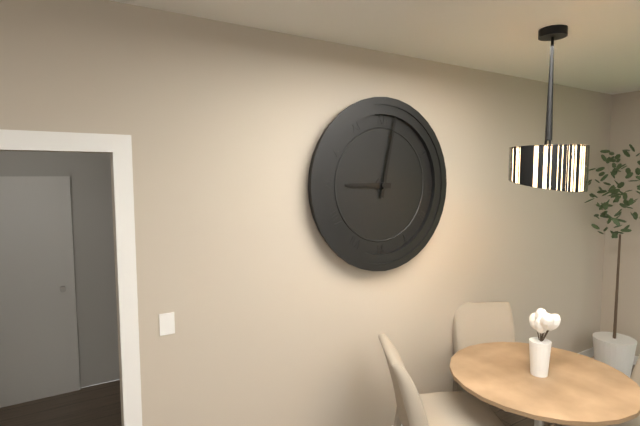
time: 9:02
